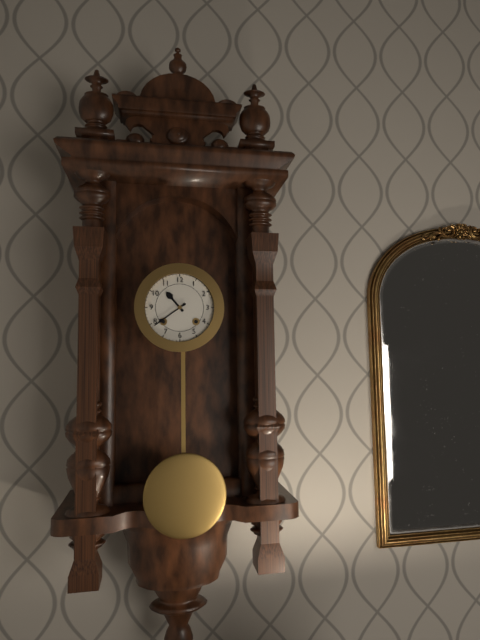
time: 10:39
